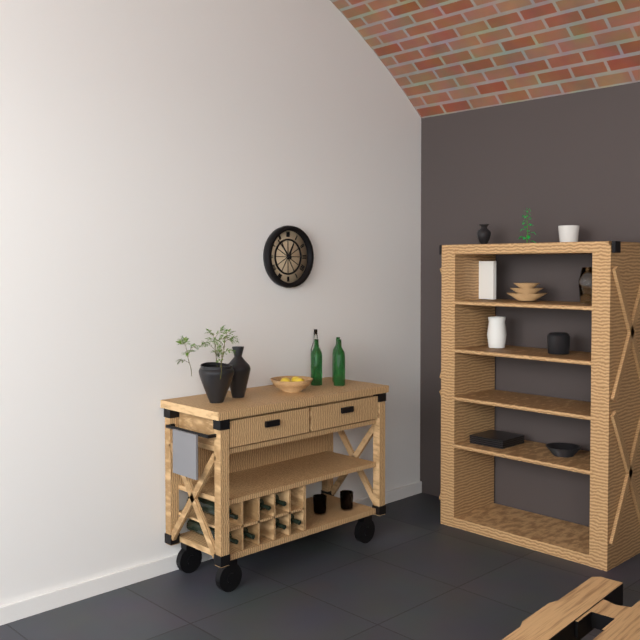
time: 12:53
